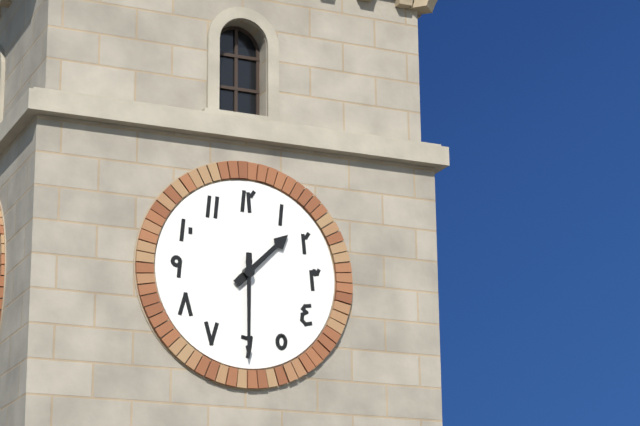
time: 1:30
